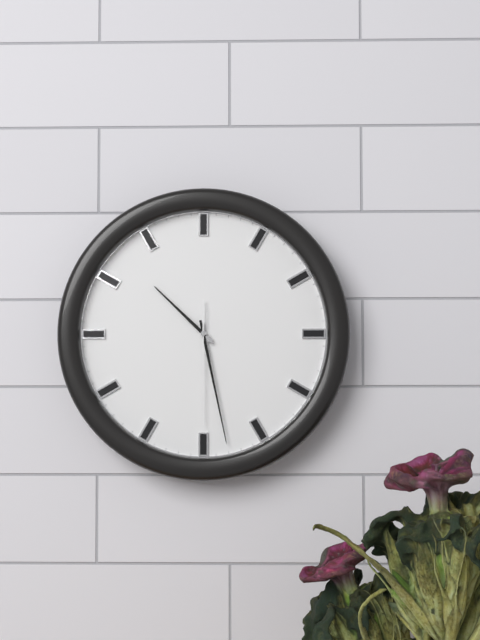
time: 10:28:30
